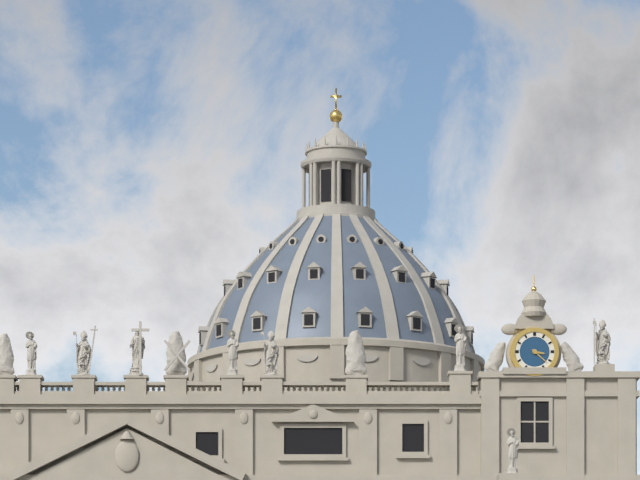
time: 3:22
